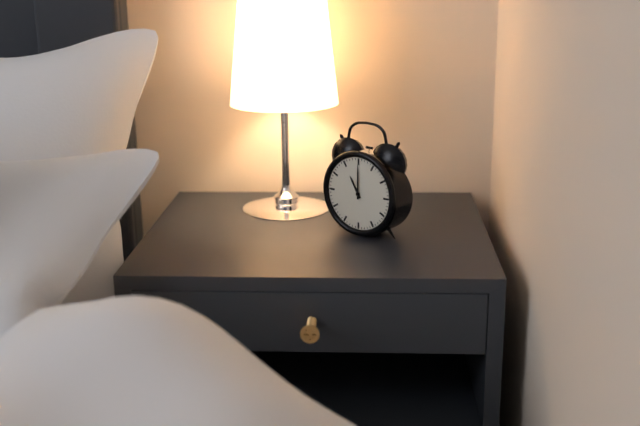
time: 11:00
